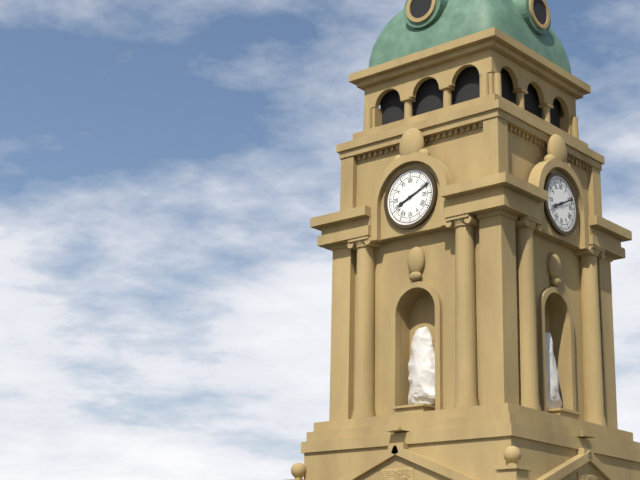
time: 8:11
